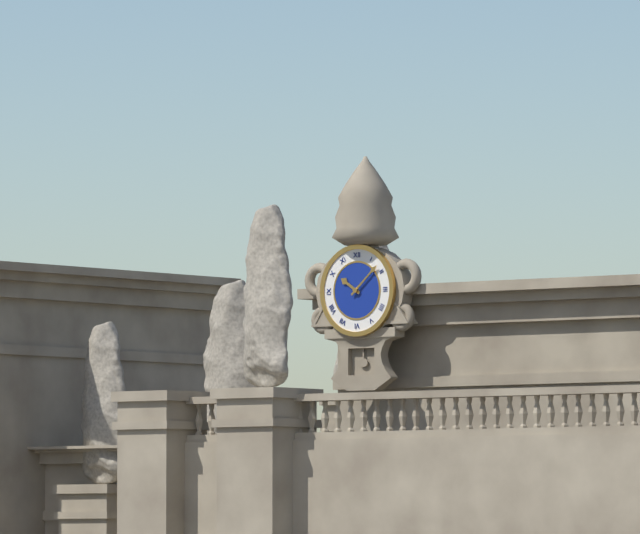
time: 10:08
